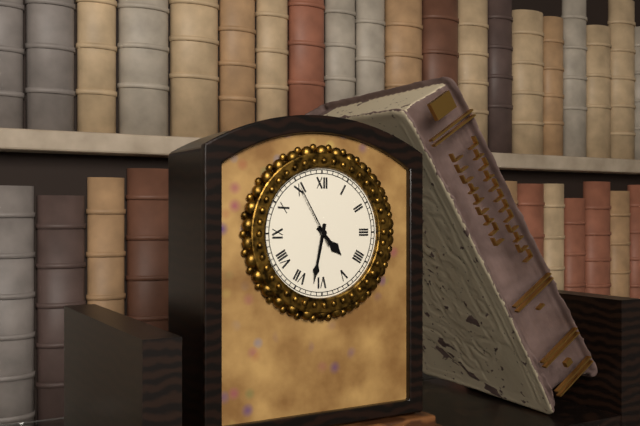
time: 4:32:55
